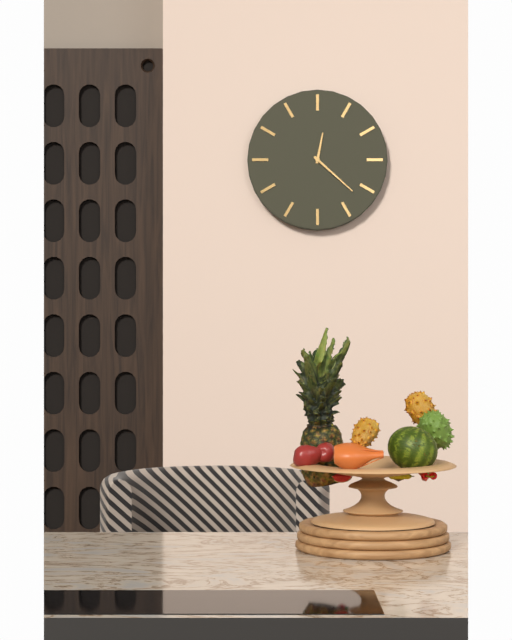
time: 12:22
